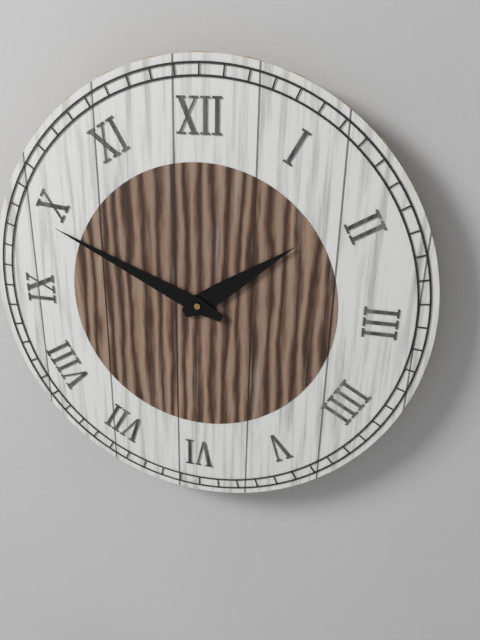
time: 1:49
